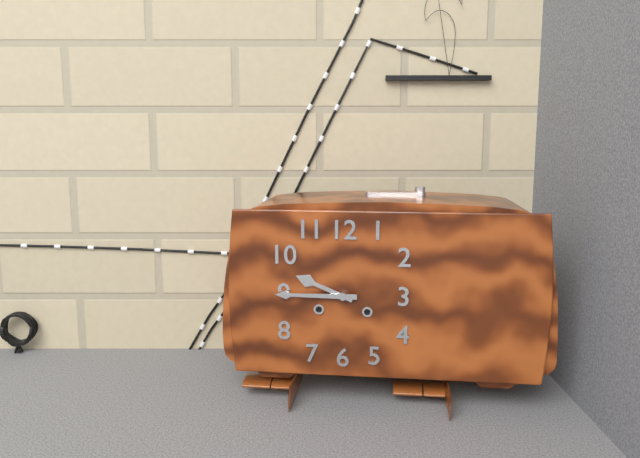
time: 9:45
